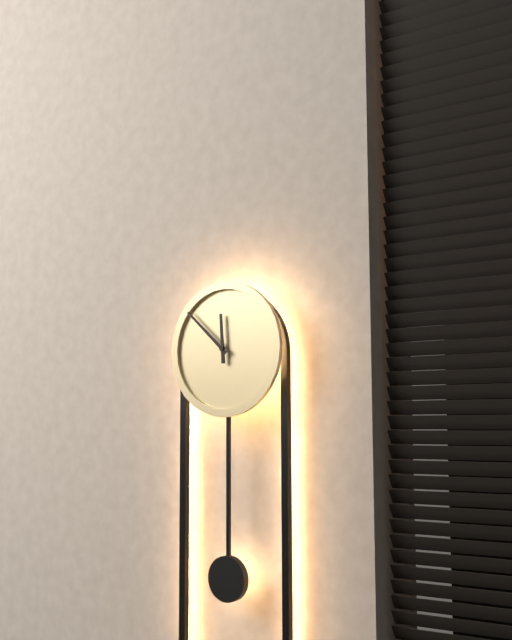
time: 11:52
